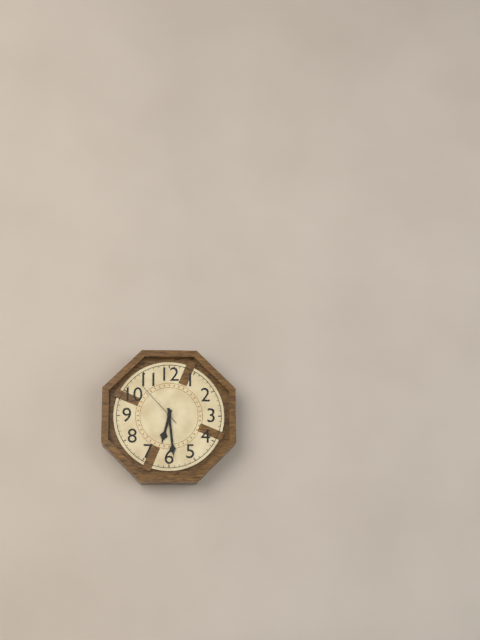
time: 6:29:53
